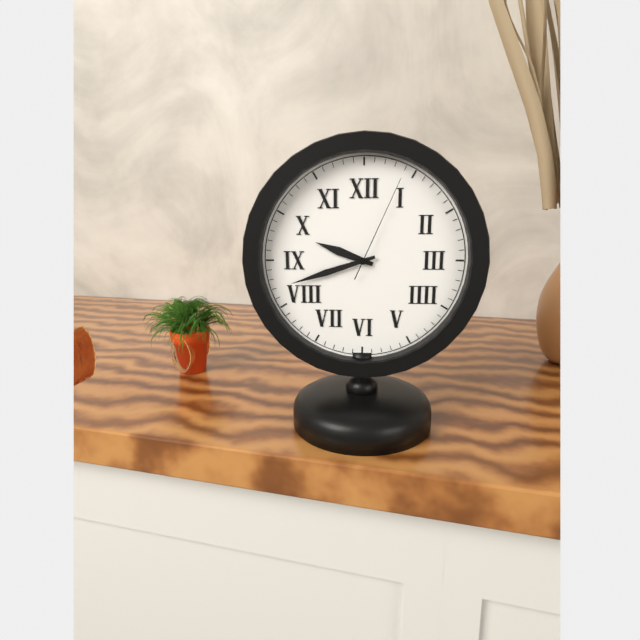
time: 9:42:04
